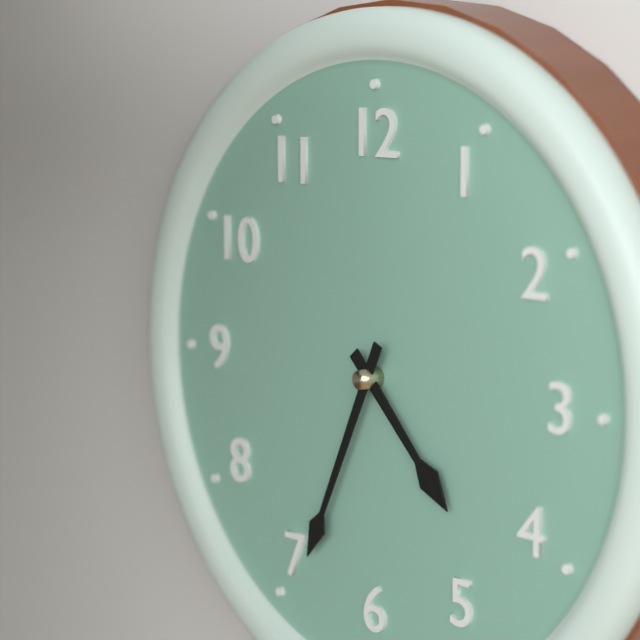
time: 4:34
